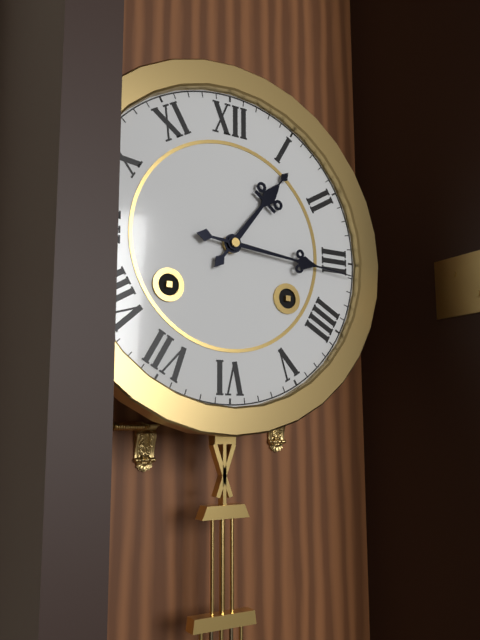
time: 1:16
